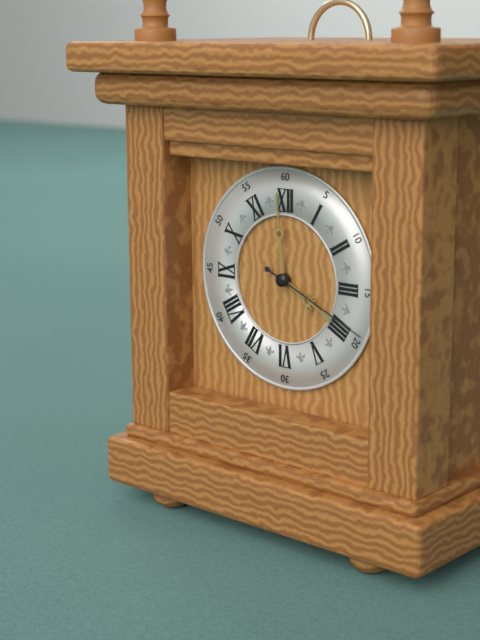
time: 3:59:19
